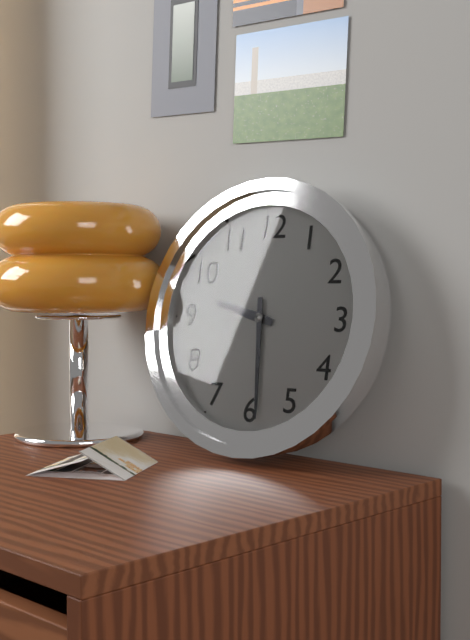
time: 9:29
